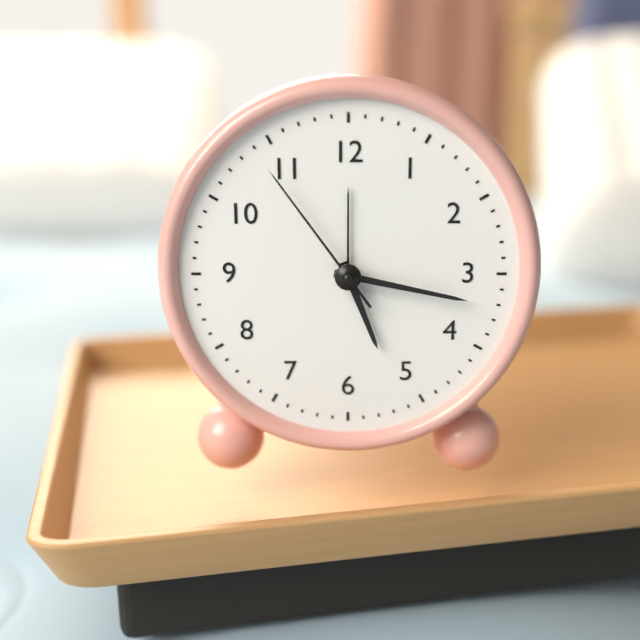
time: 5:17:54
